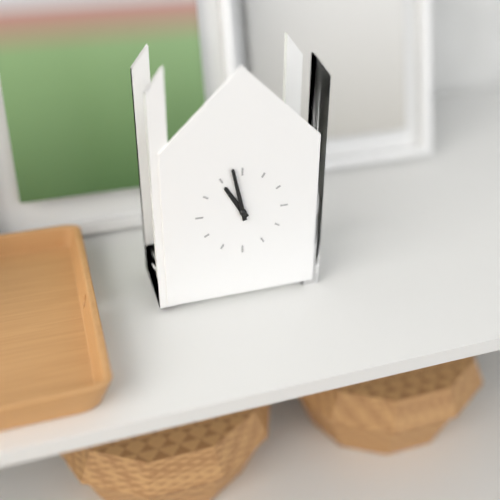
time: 10:58
